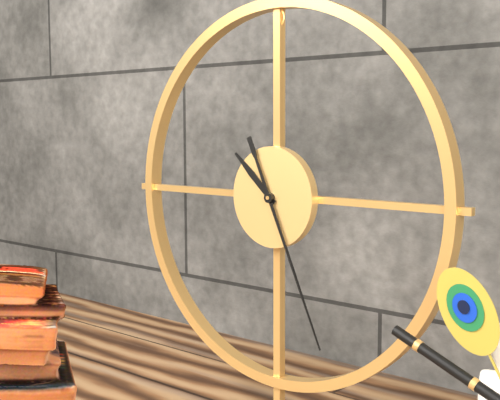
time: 10:26
